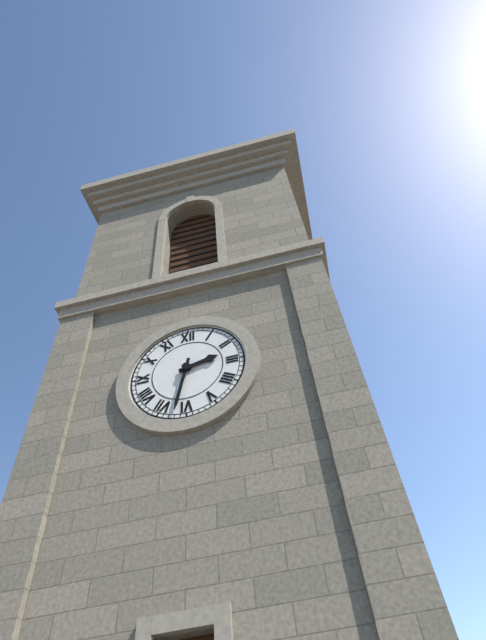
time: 2:32
